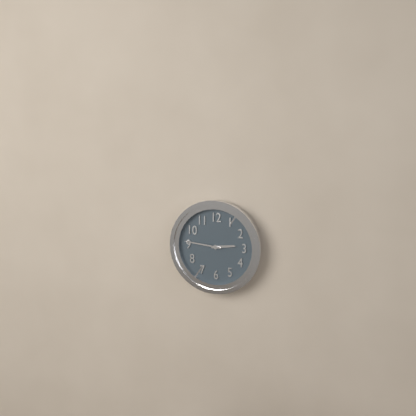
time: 2:46
